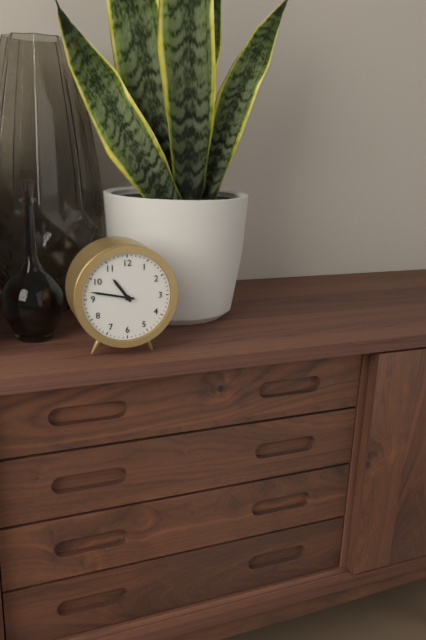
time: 10:47
